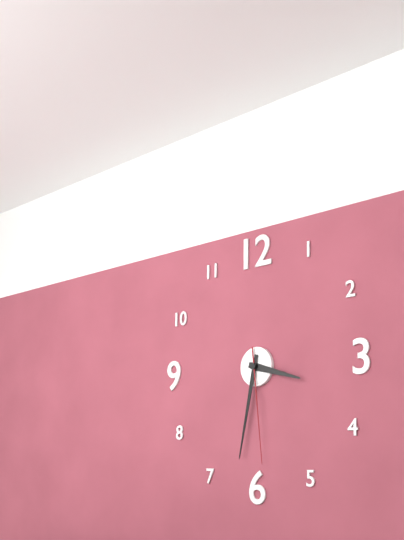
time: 3:32:29
